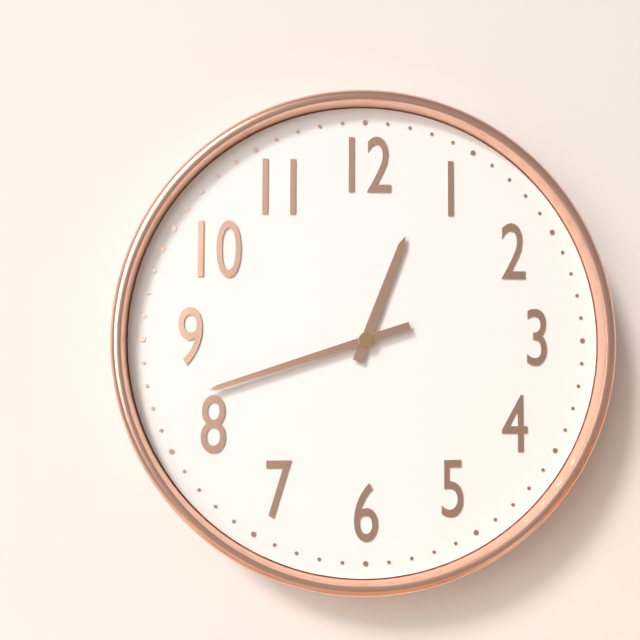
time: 12:42
